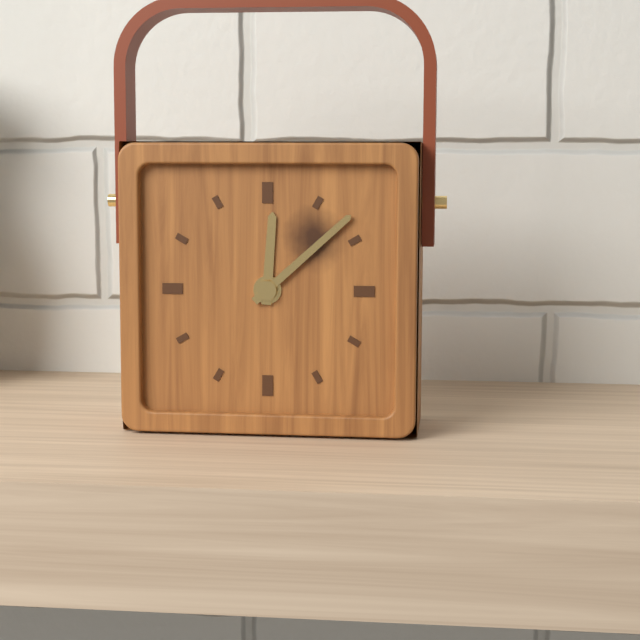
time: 12:08
